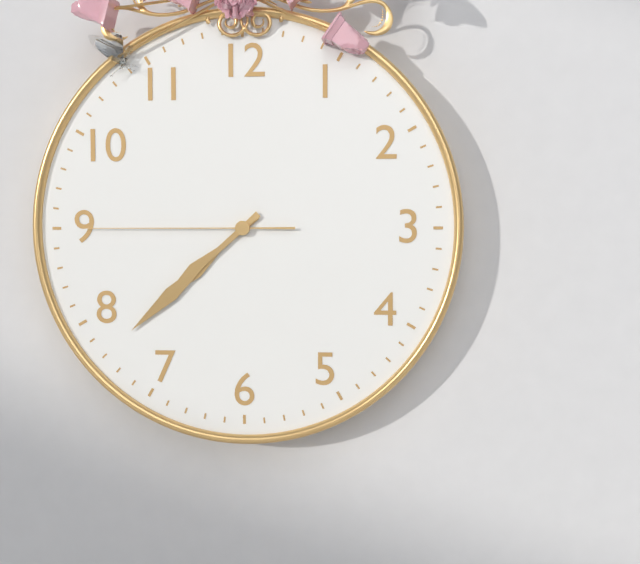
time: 7:38:45
